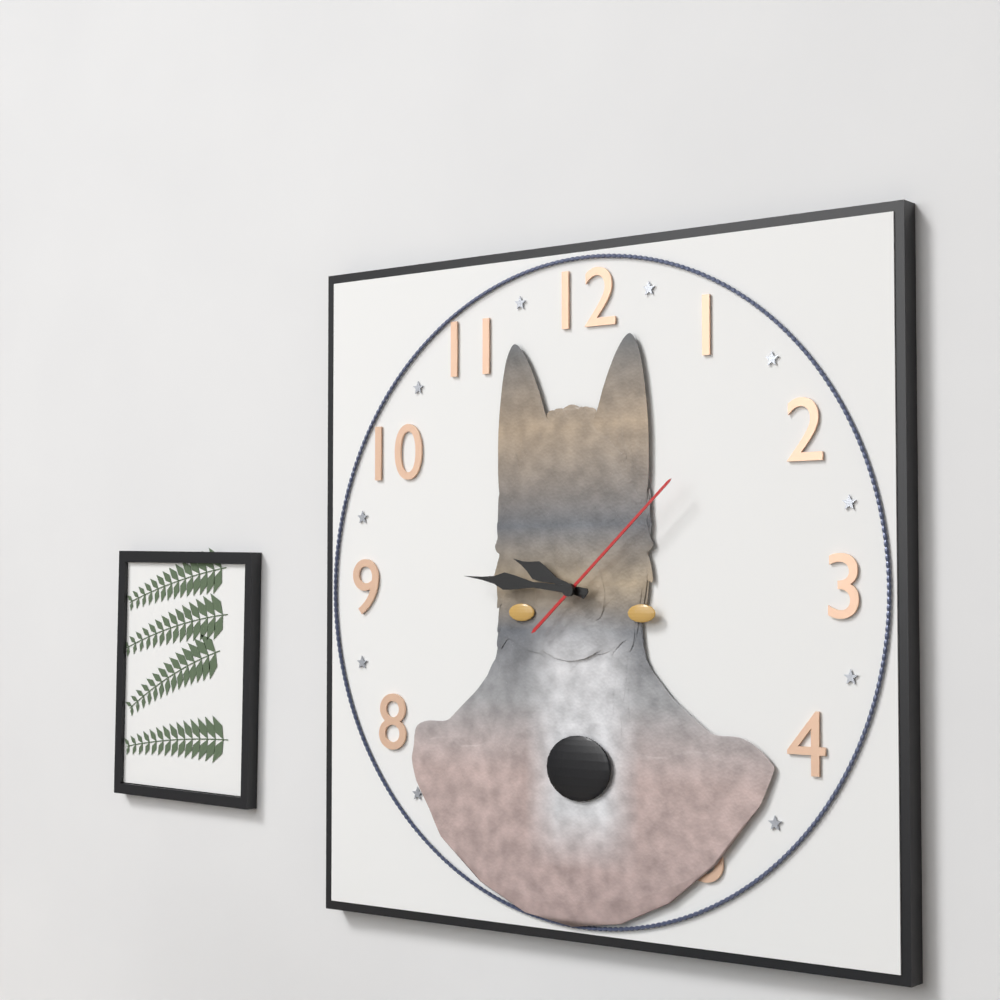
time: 9:46:08
